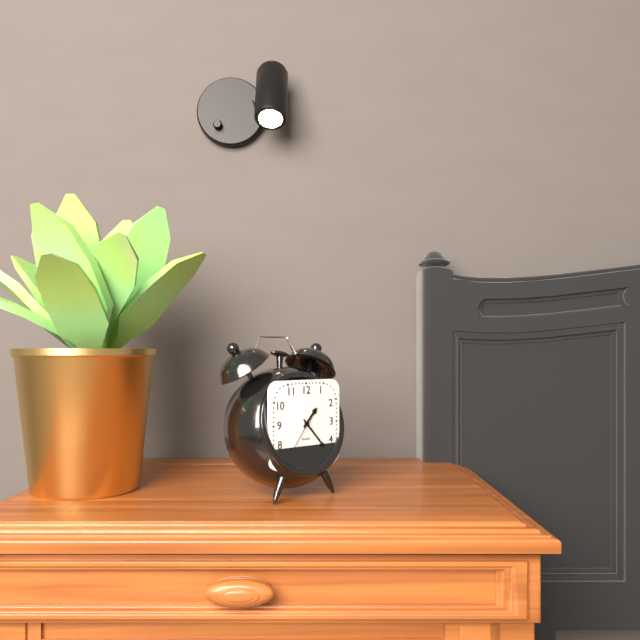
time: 1:23
